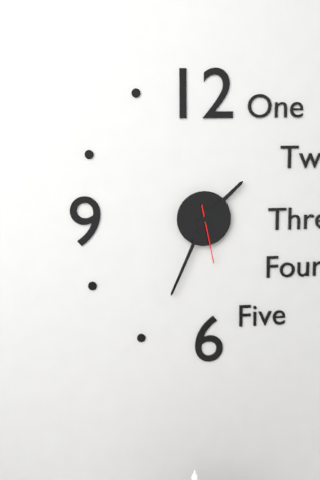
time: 1:34:28
